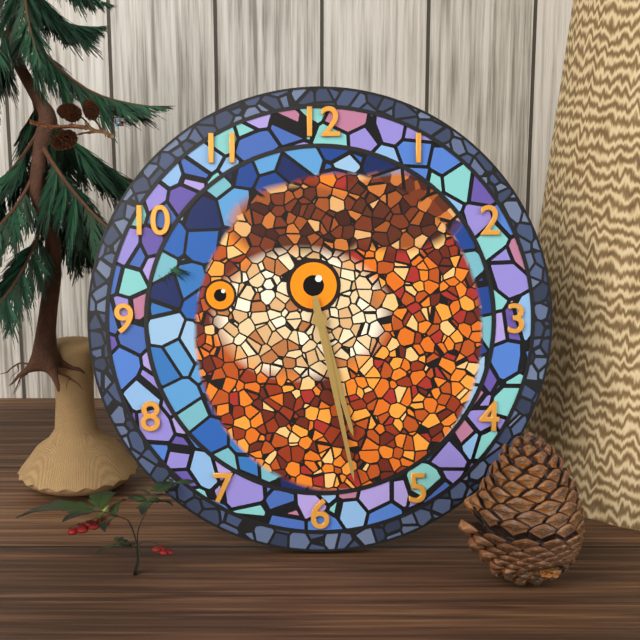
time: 5:28
